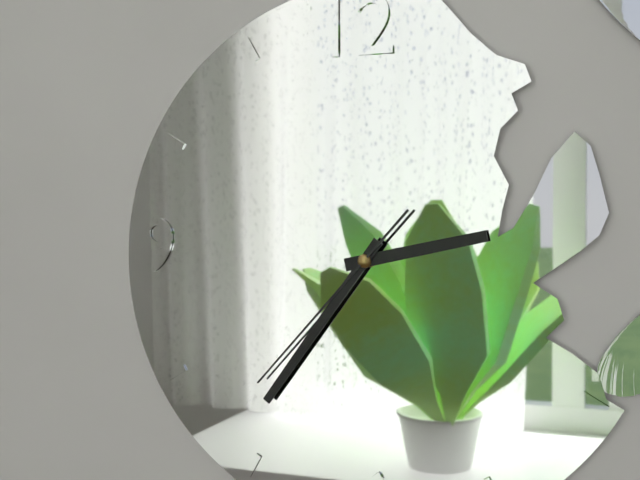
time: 2:36:37
